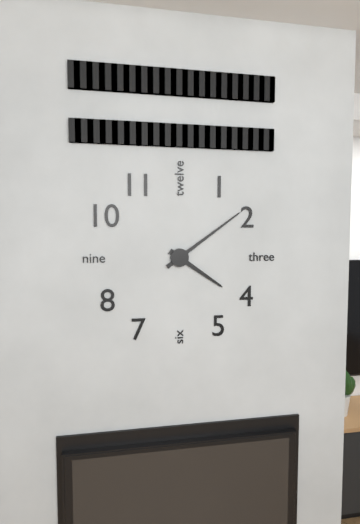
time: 4:09
